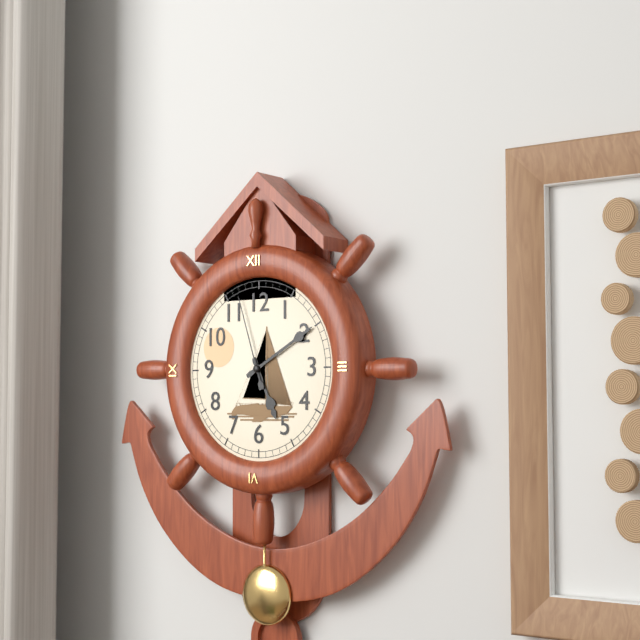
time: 5:10:57
